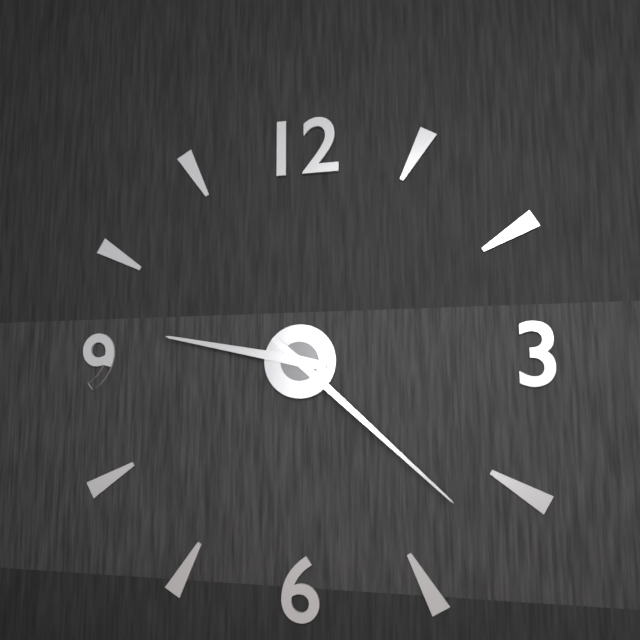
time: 9:22
